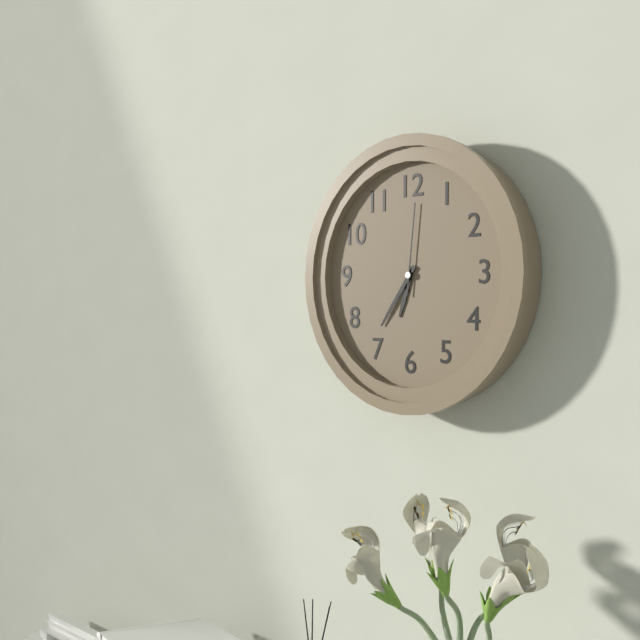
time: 6:36:01
